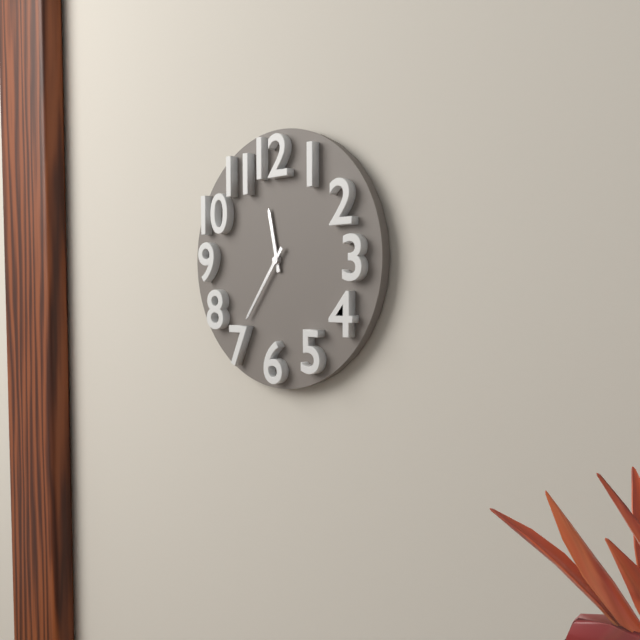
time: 11:36
